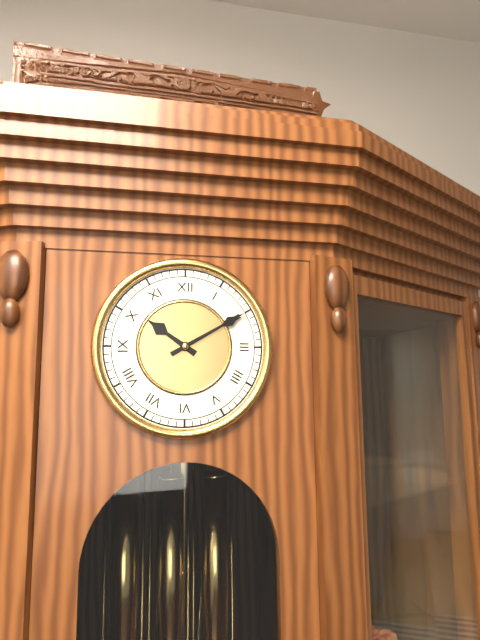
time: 10:10
